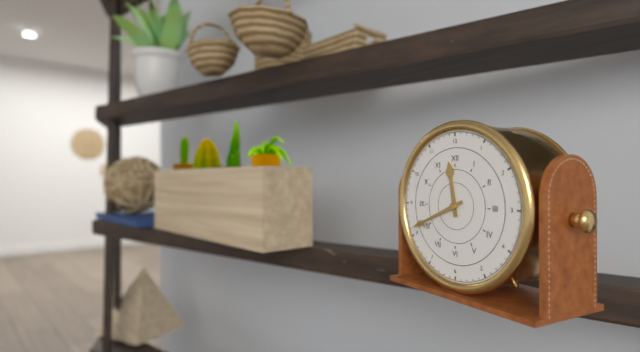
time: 11:41
